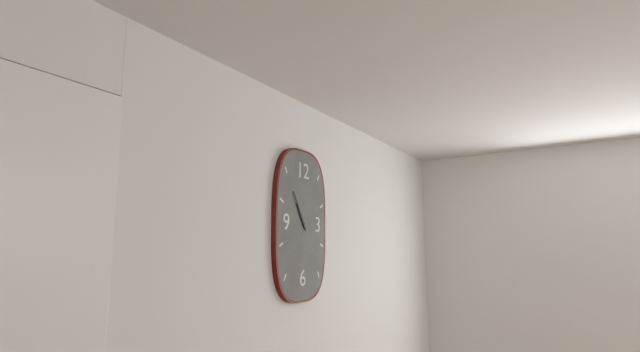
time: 10:55
